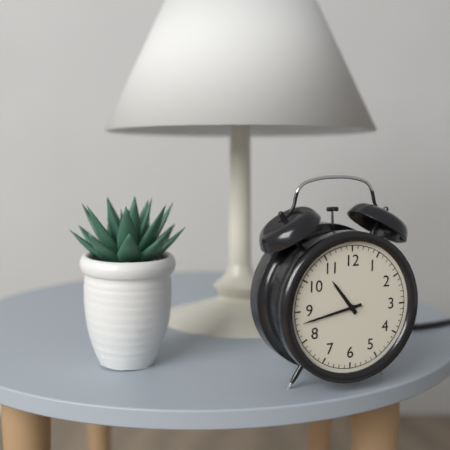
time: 10:43
